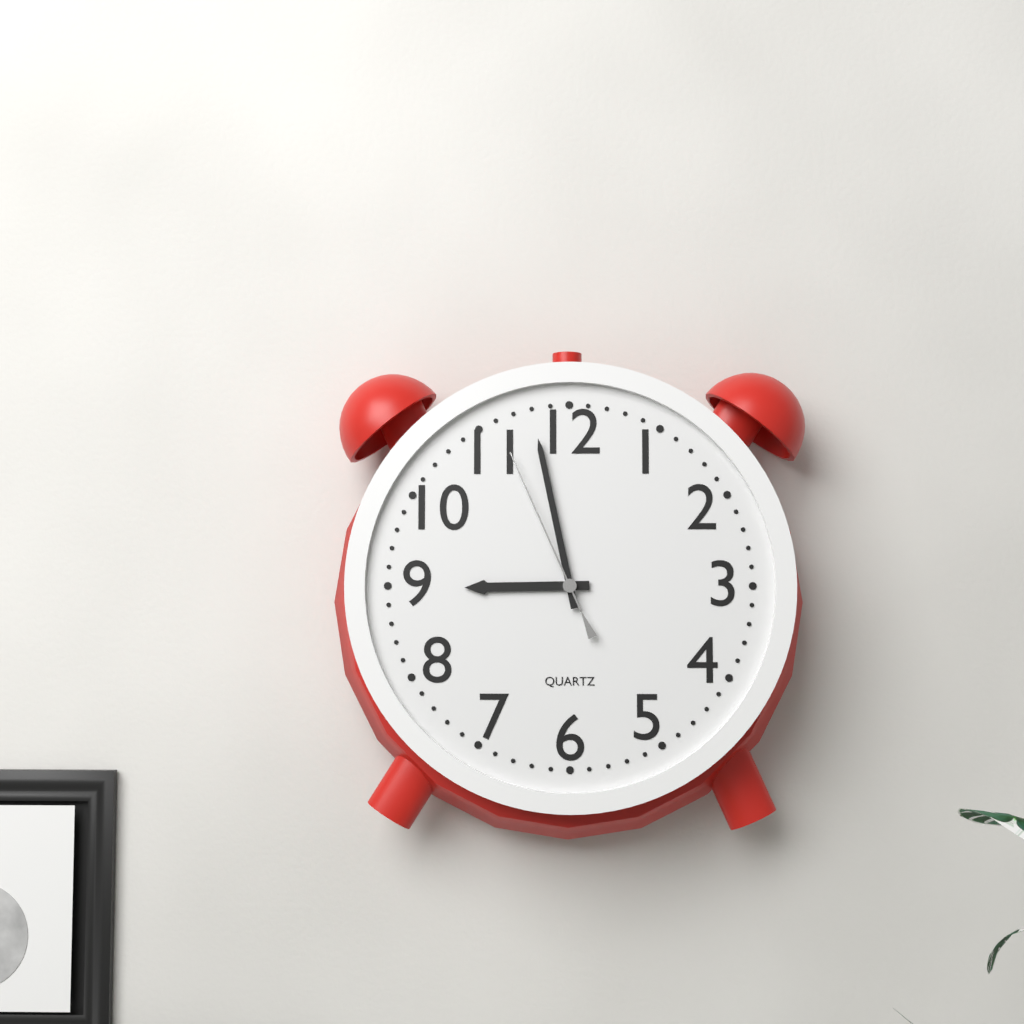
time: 8:58:56
